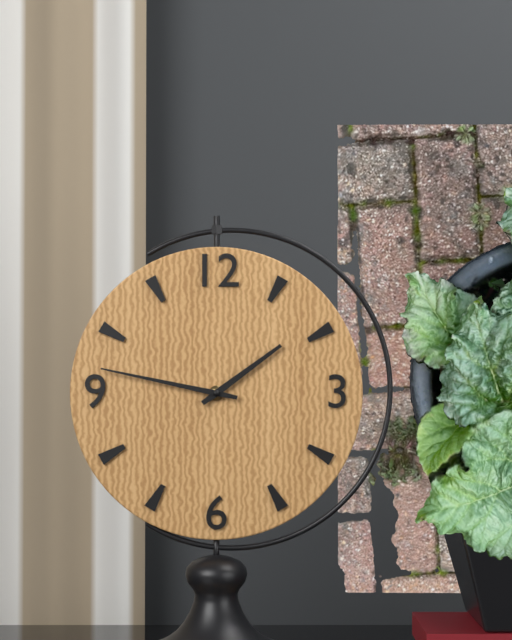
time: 1:47
